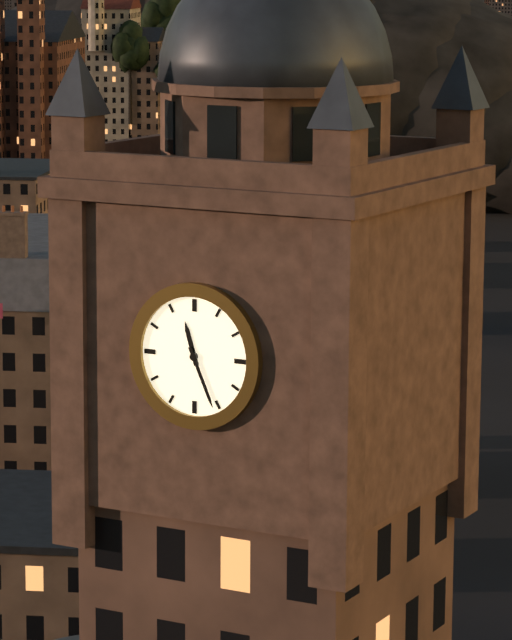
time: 11:26
